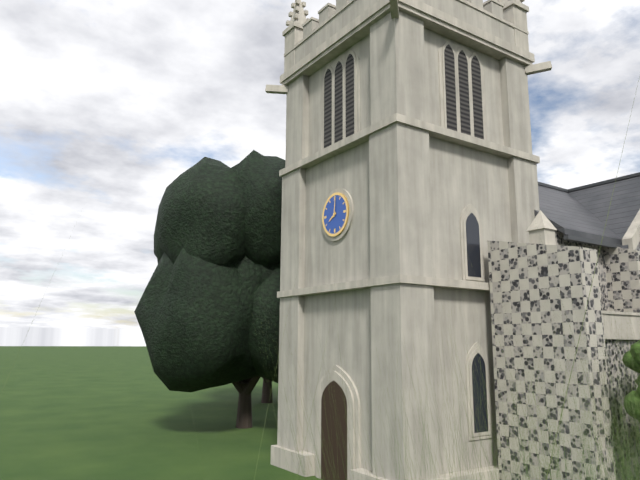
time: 8:01
